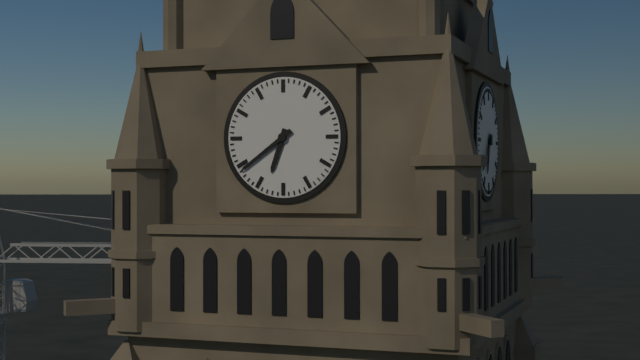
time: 6:39
